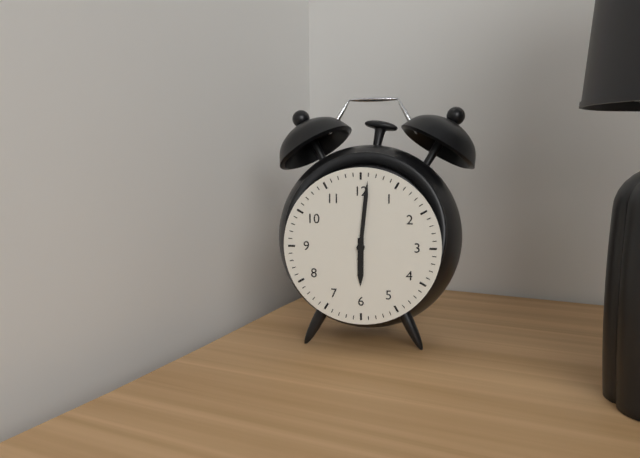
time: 6:01
